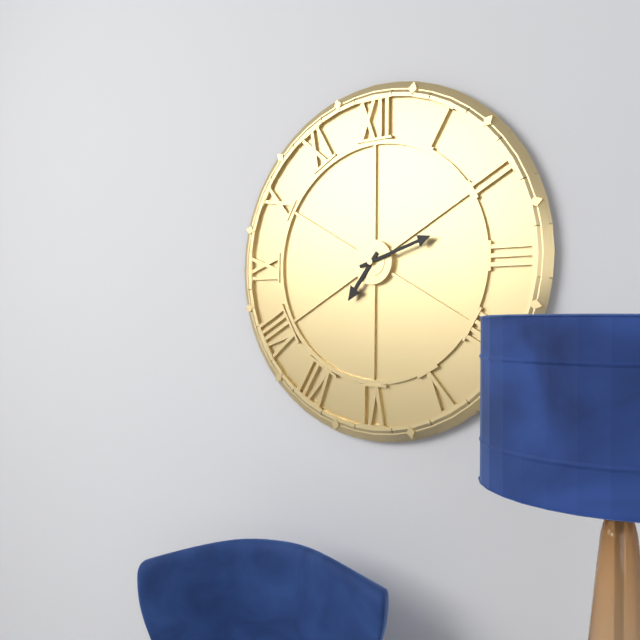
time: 7:12
